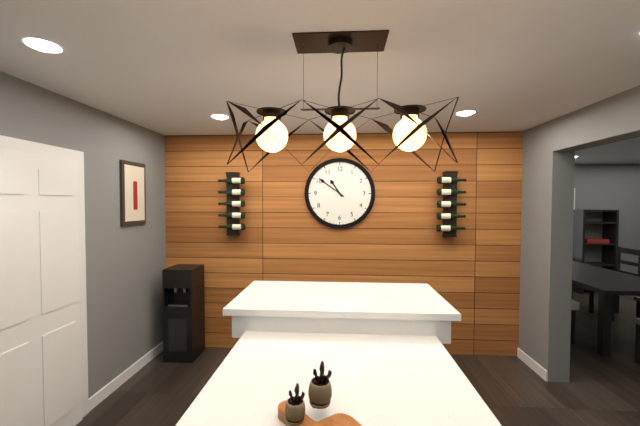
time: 10:51
